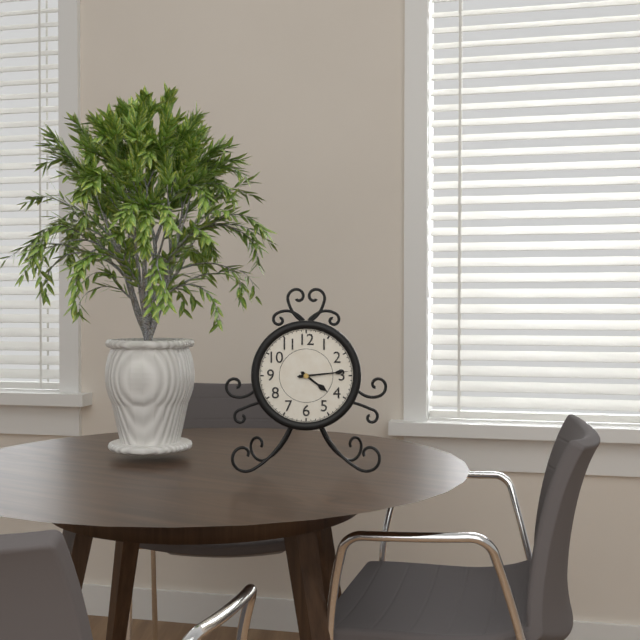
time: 4:14
